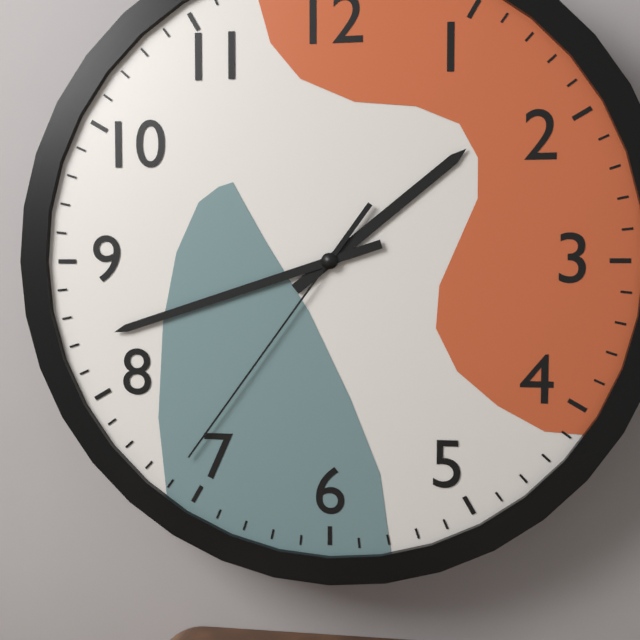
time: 1:42:36
